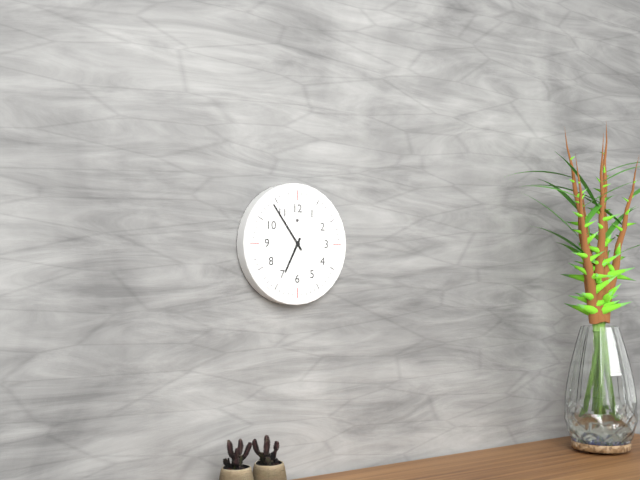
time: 6:54
